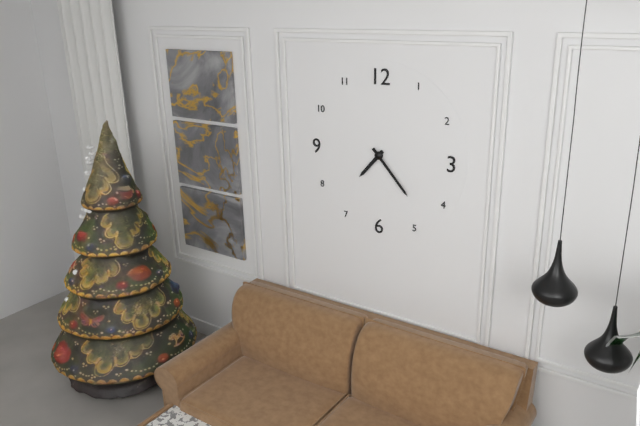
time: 7:23
